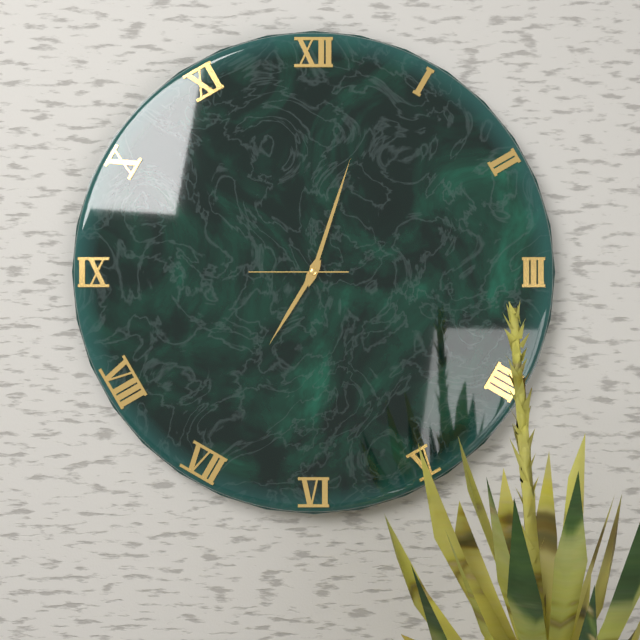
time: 7:03:45
